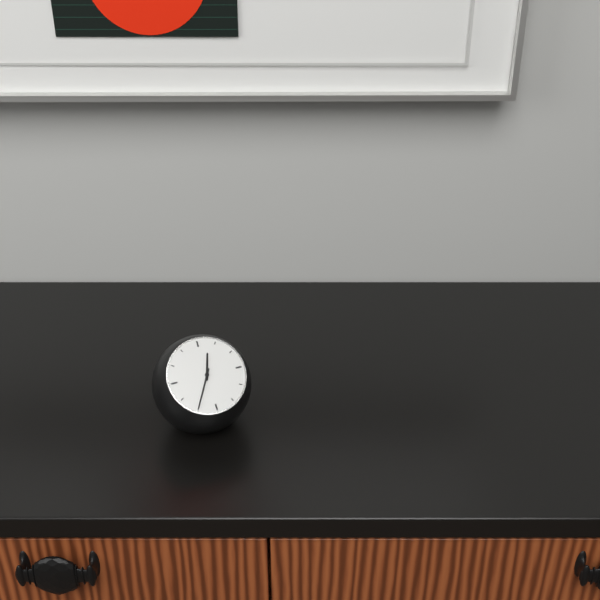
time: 12:35
